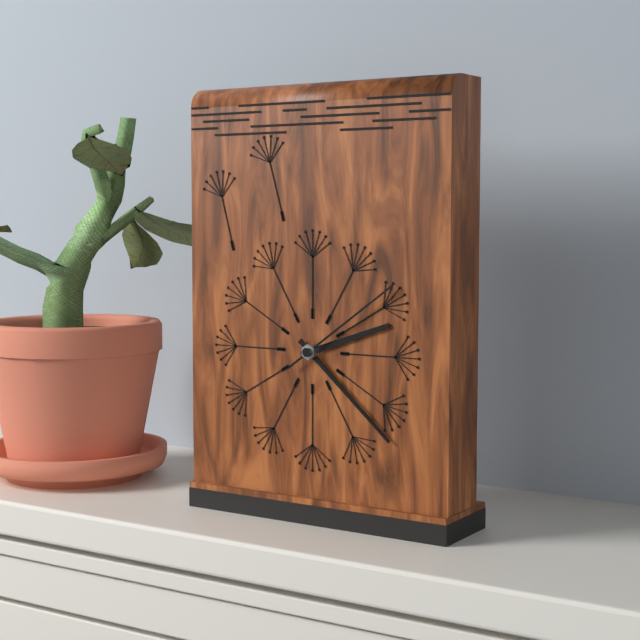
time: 2:22:09
